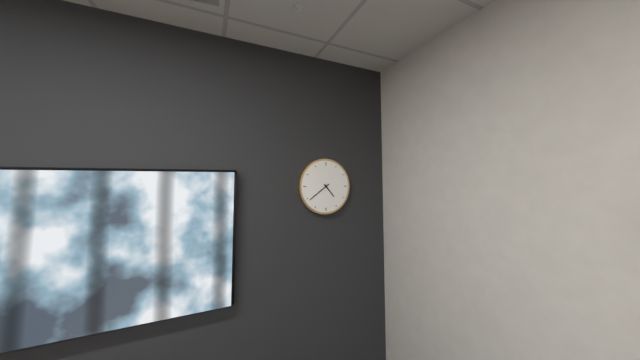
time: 4:39
